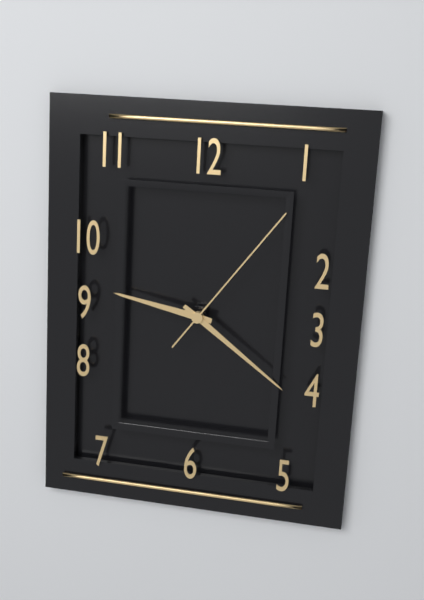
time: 9:21:06
